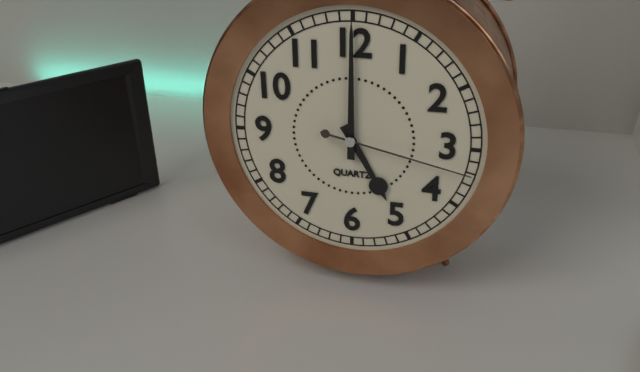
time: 5:00:17
